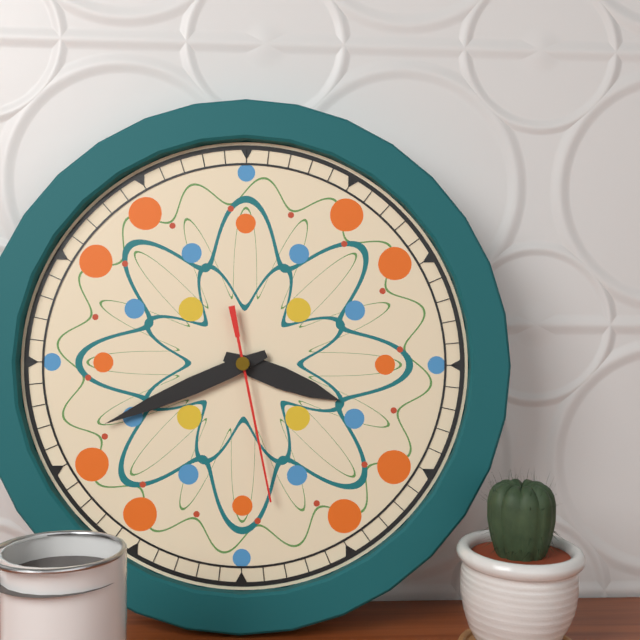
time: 3:41:28
